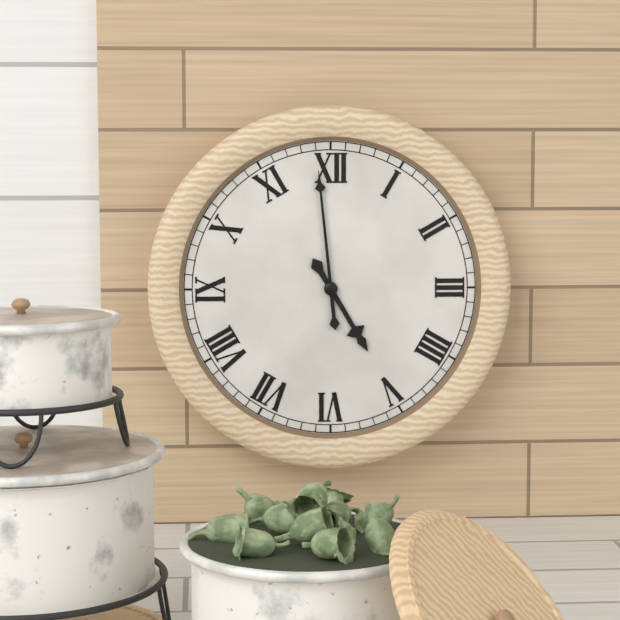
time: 4:59
